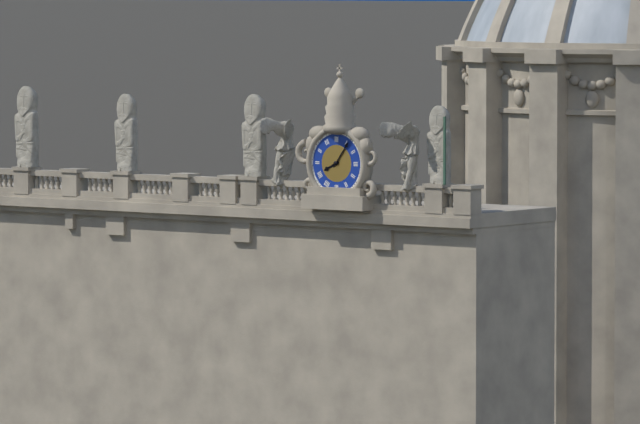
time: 8:06
